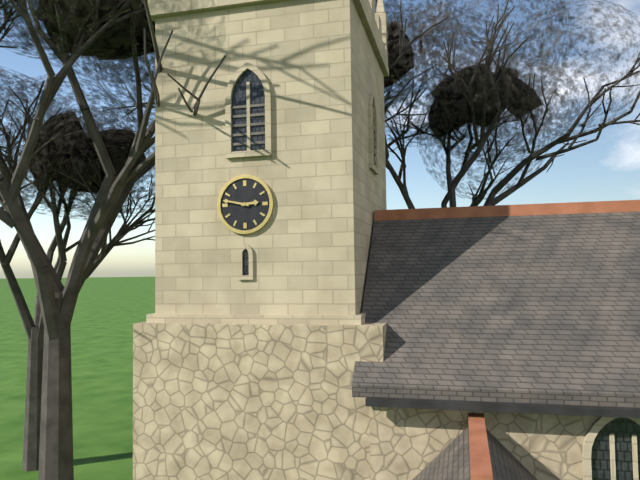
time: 2:47
